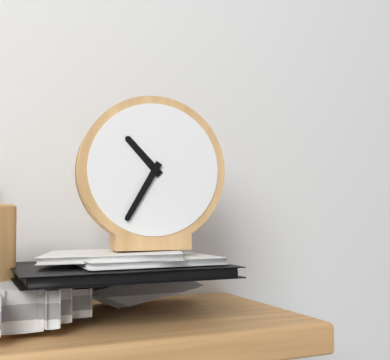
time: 10:35
